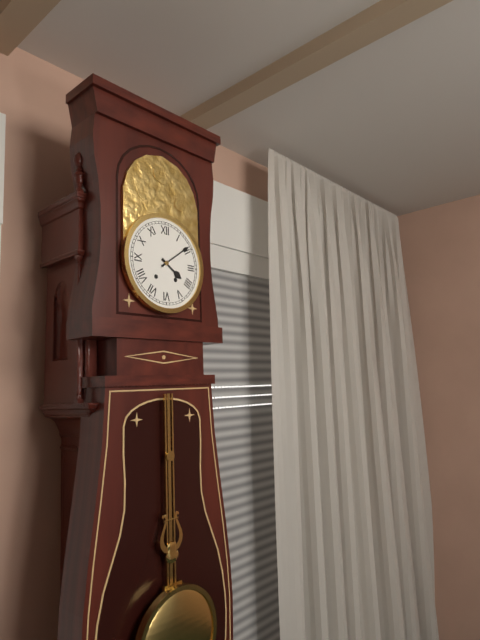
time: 4:09
